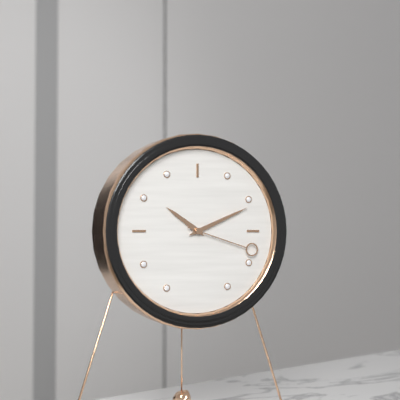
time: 10:11:18
